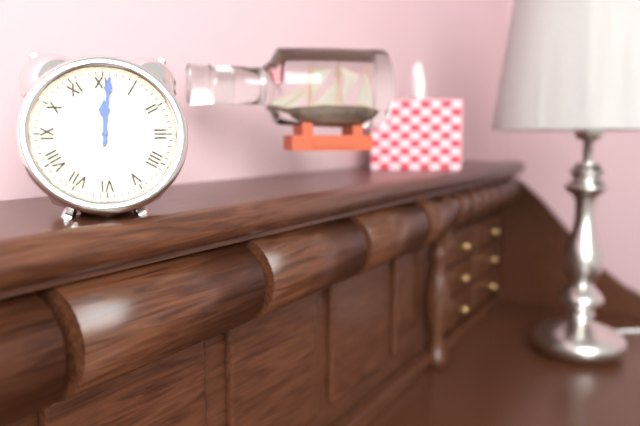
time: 12:01
